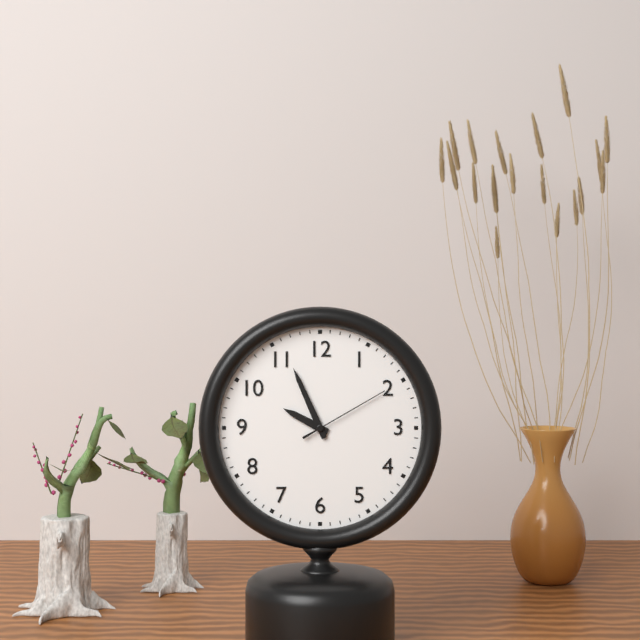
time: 9:56:10
